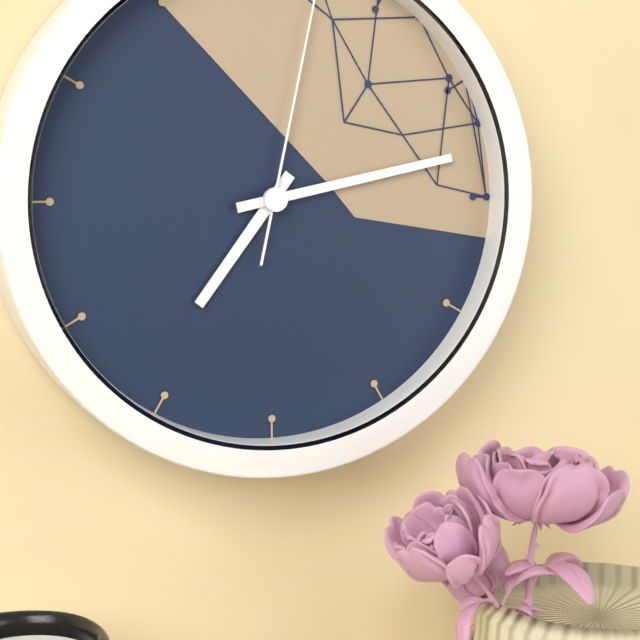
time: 7:13
